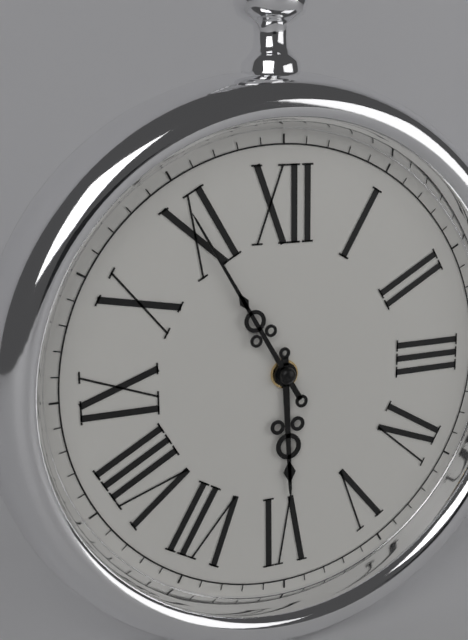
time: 5:55
